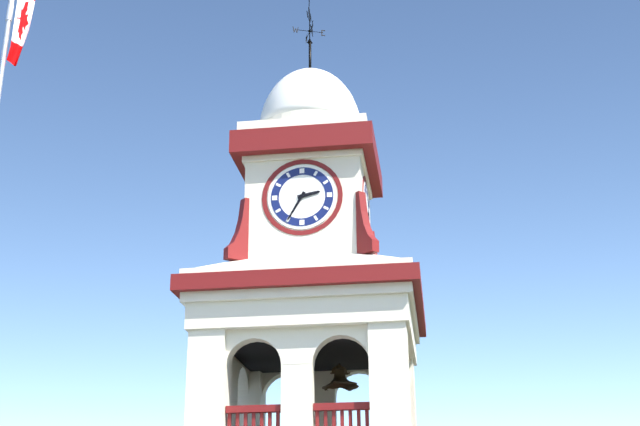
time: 2:35
